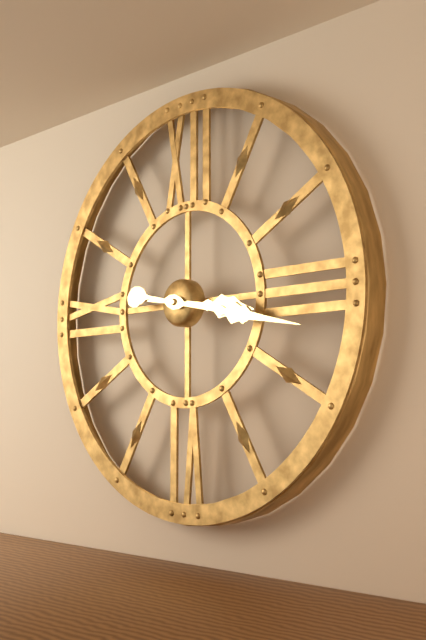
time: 3:17
